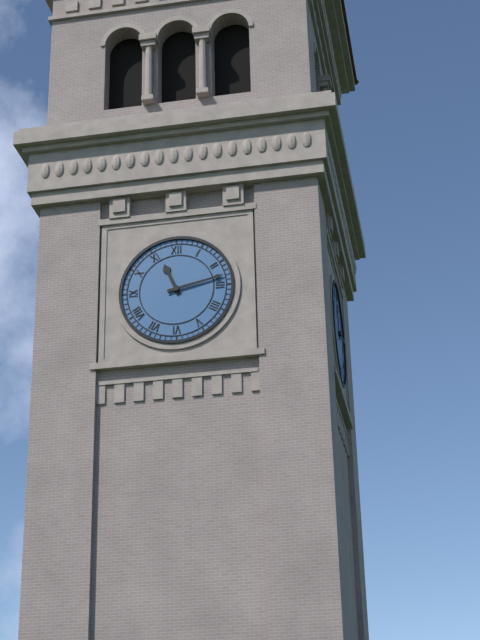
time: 11:13
